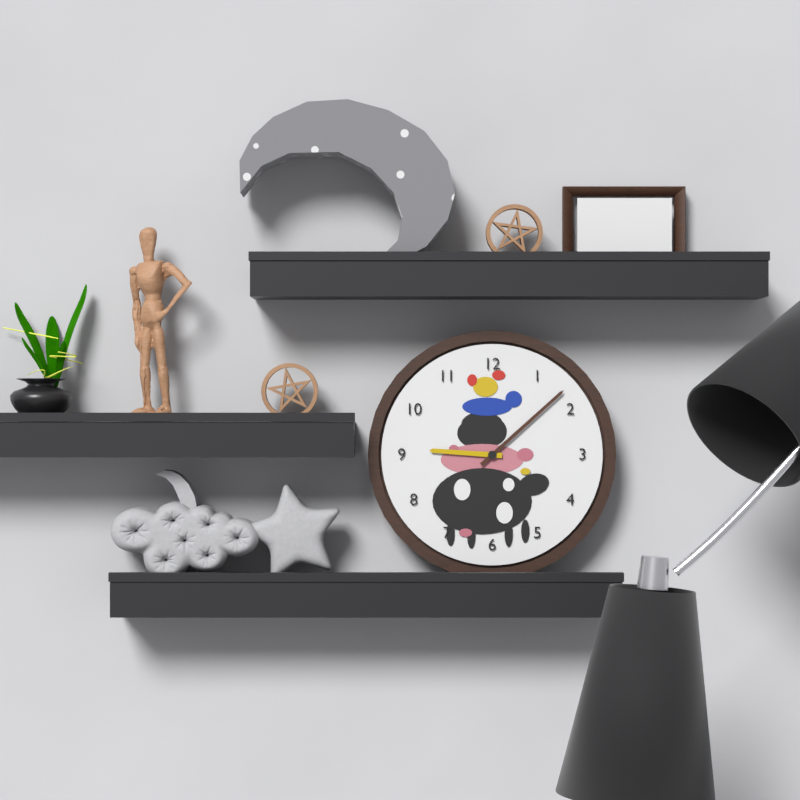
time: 9:08
